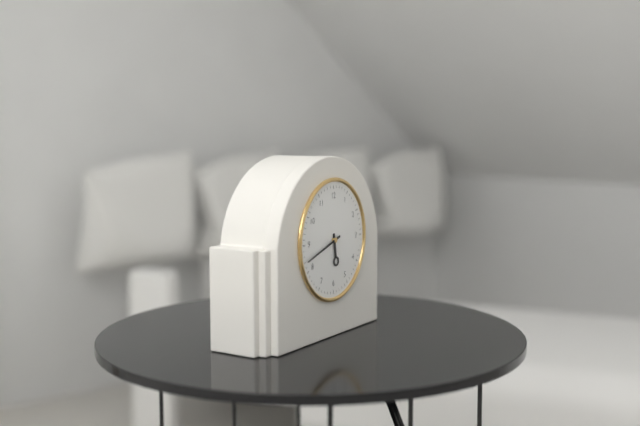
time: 5:42
